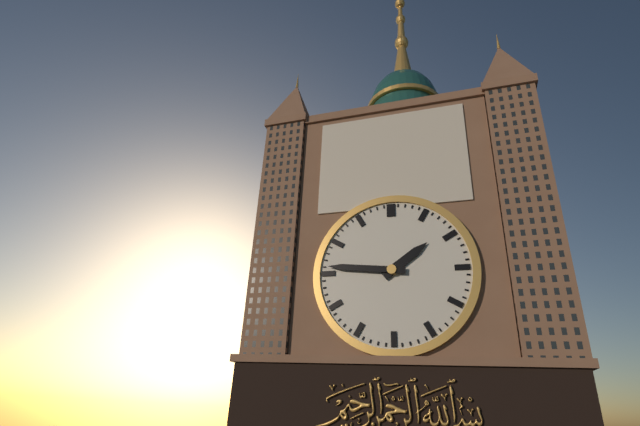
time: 1:46
